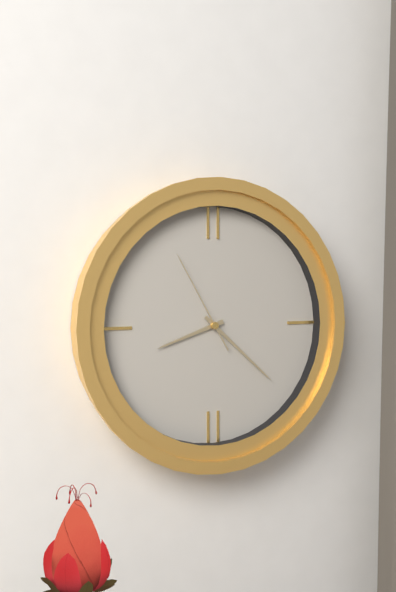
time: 8:22:55
